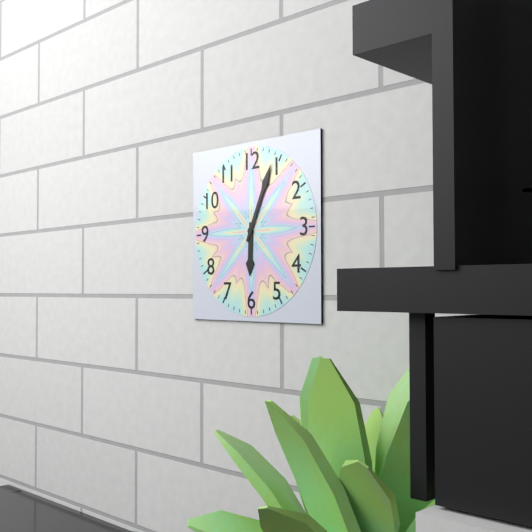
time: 6:04
